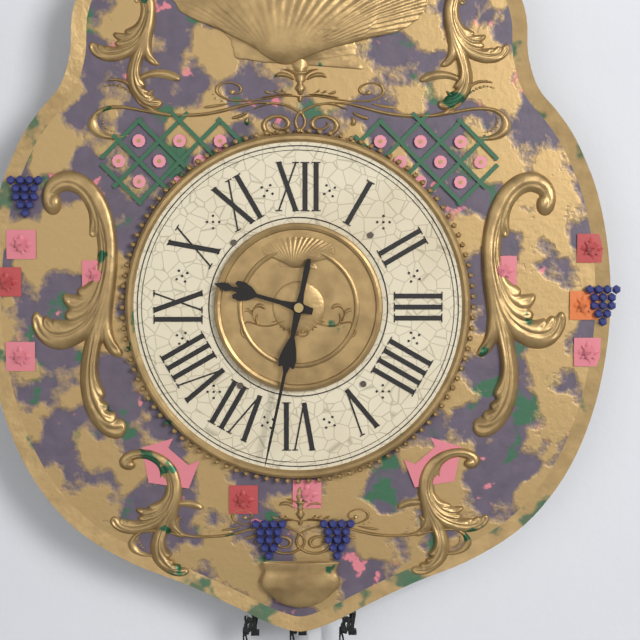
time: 9:32
